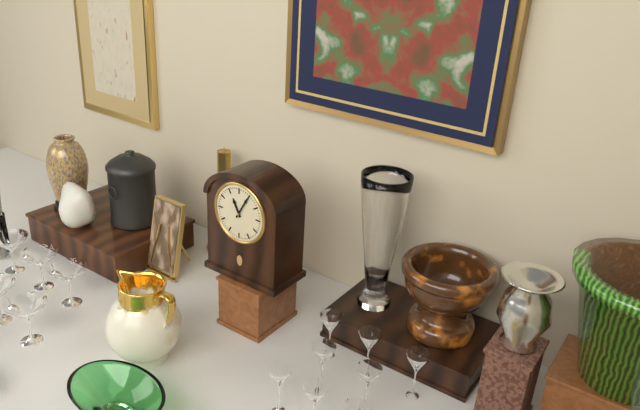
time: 11:05
